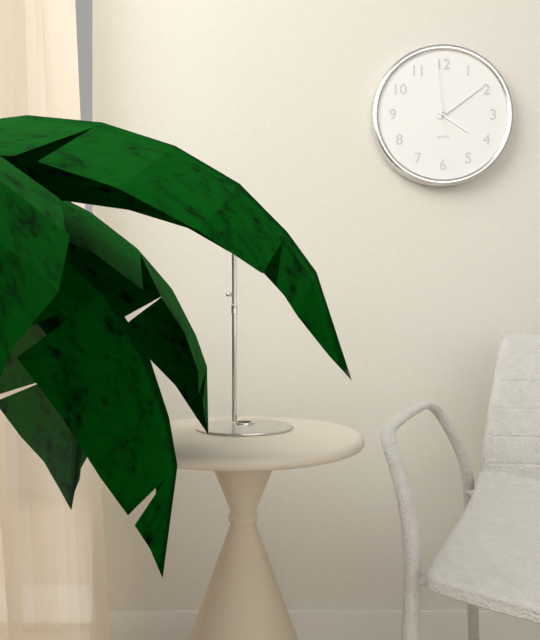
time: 4:09:59
